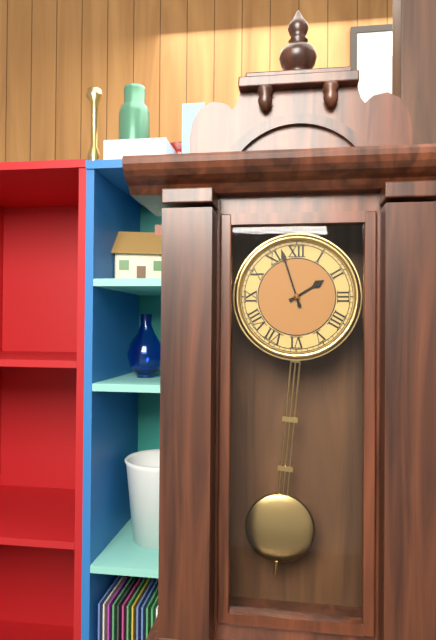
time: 1:57
